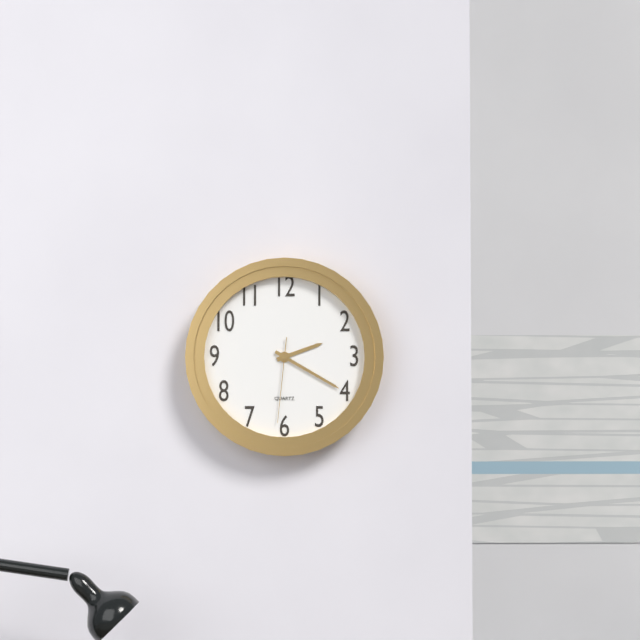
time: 2:20:31
